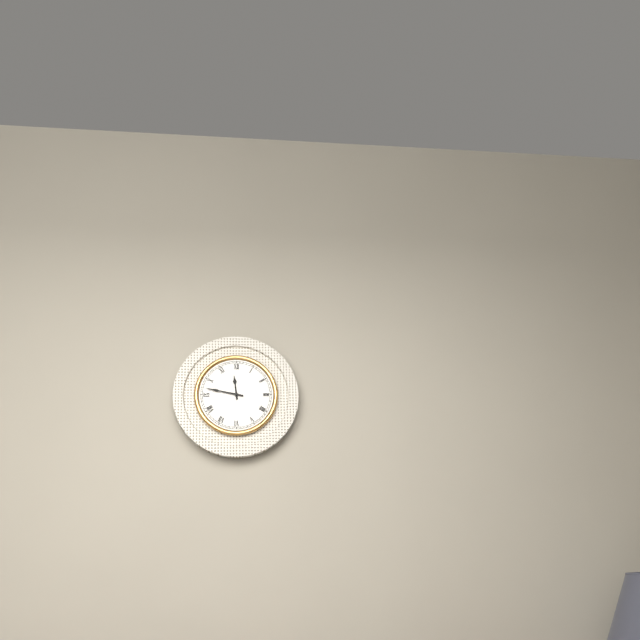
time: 11:47
